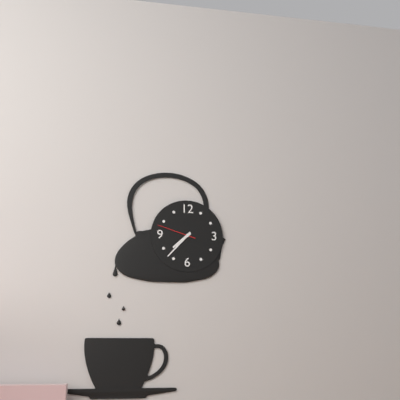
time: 7:37
